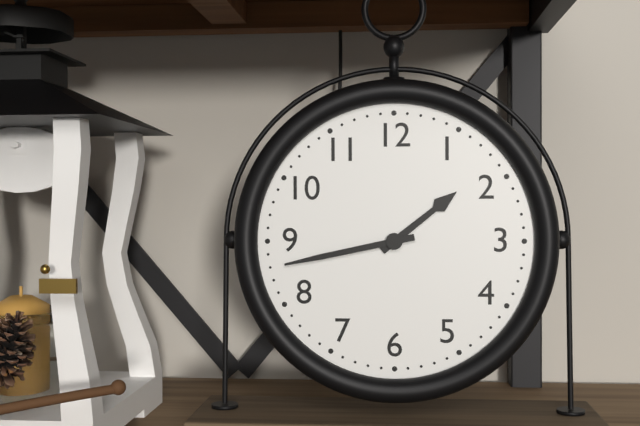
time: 1:43
